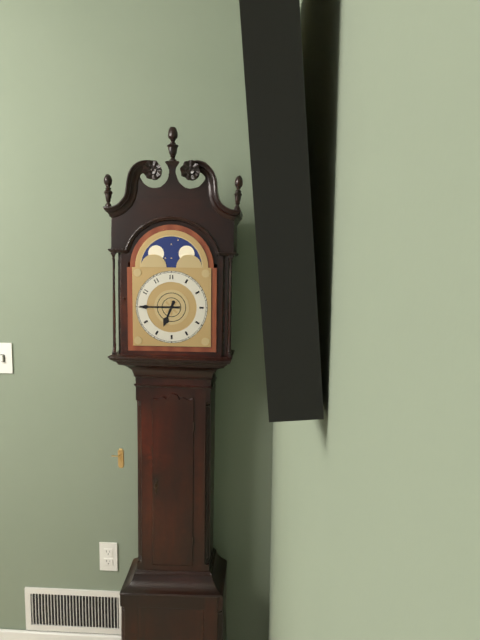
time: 6:45
